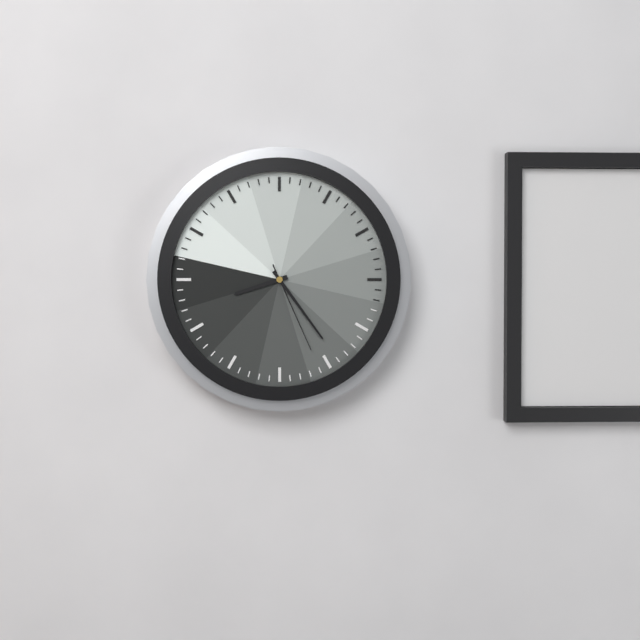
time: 8:24:26
